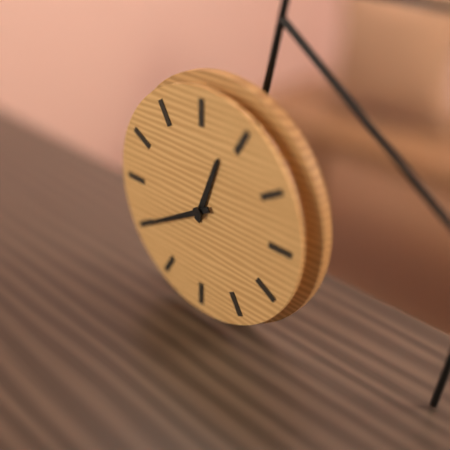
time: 12:40
